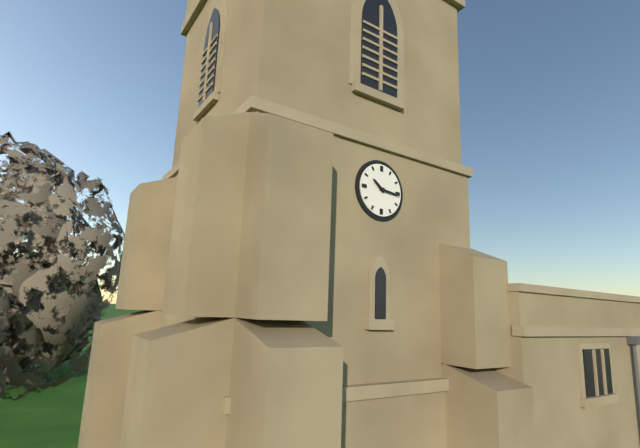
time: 10:16
